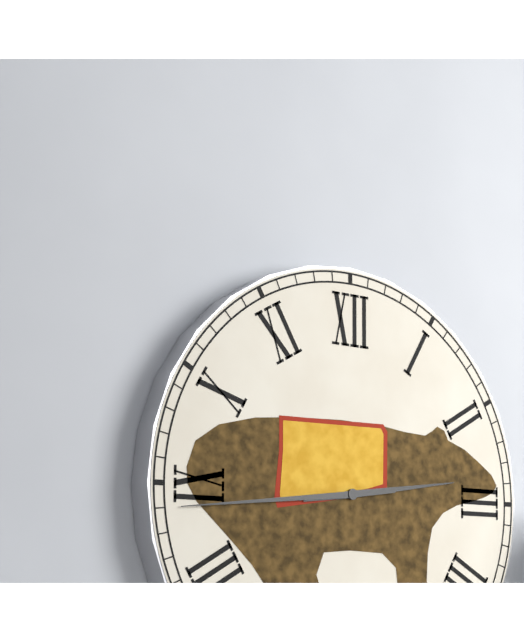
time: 2:44
